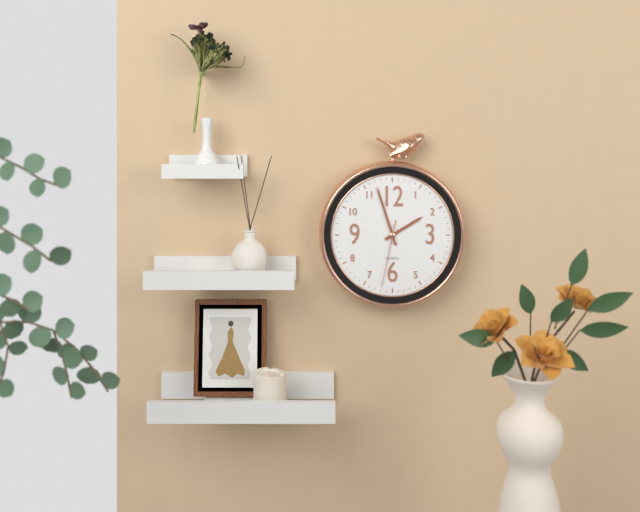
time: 1:57:32
